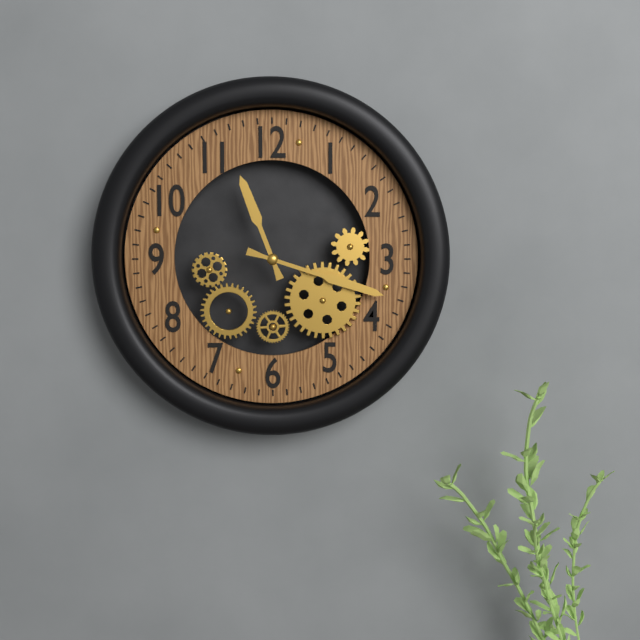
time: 11:18
